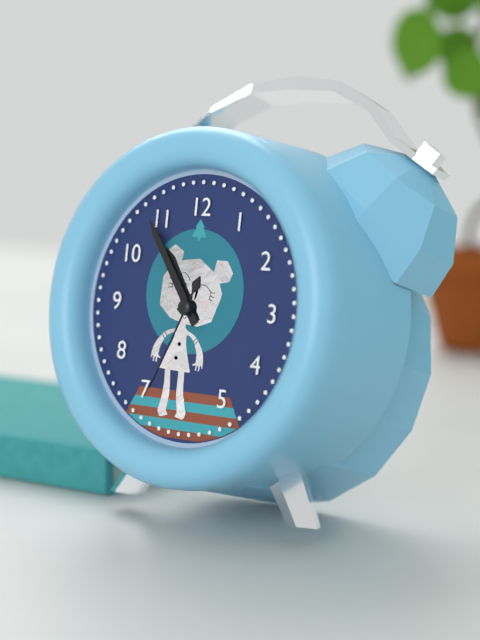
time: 10:54:34
